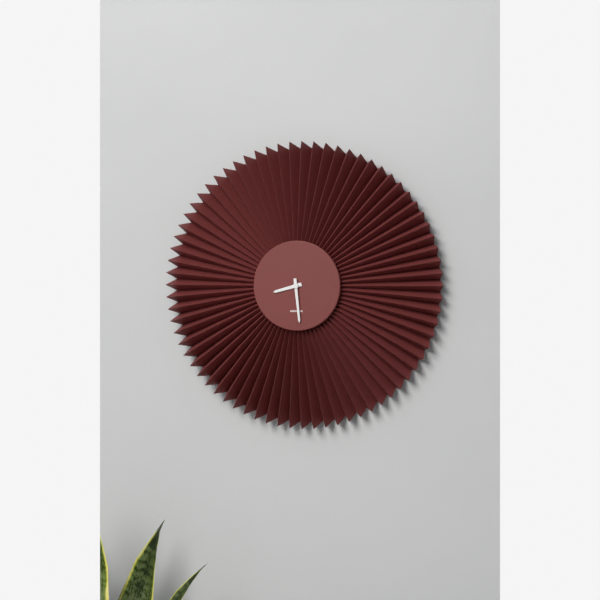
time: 8:29
